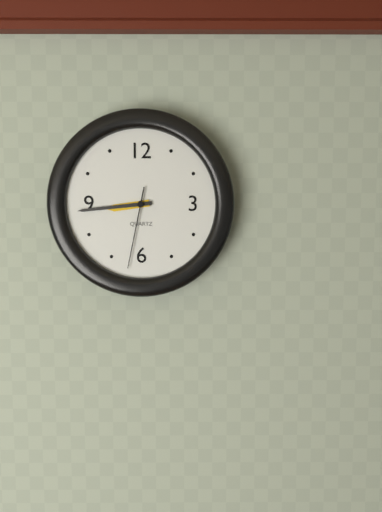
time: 8:44:32
